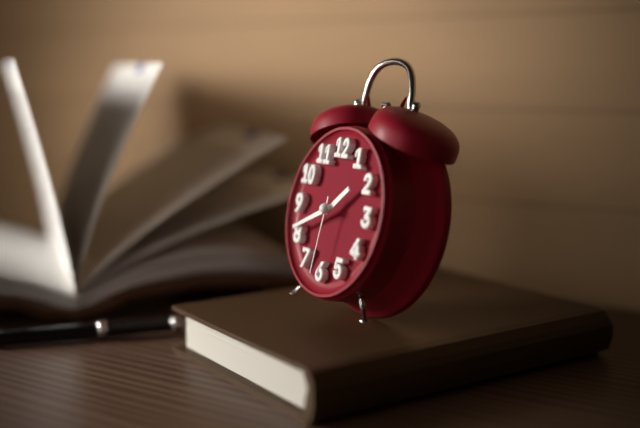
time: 1:41:31
